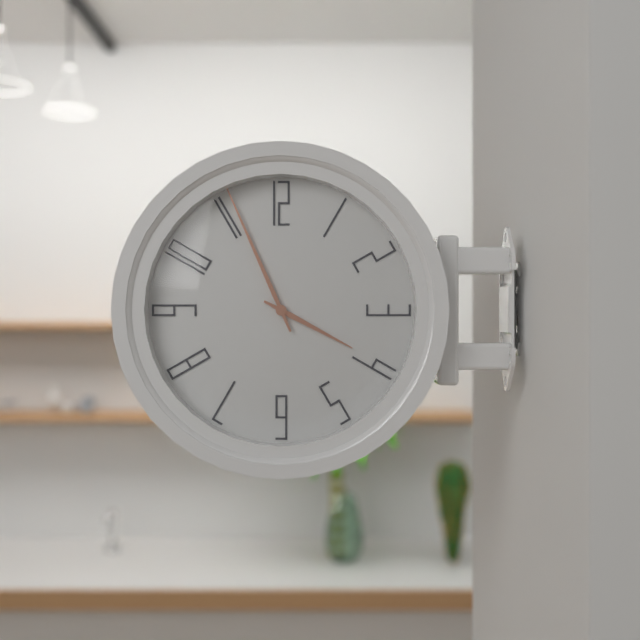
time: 3:56
